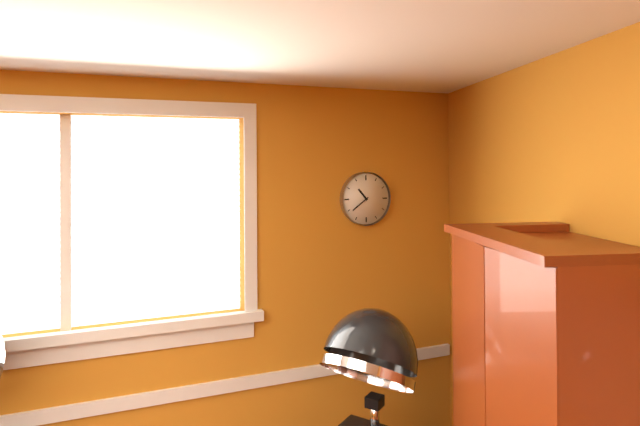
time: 10:39
